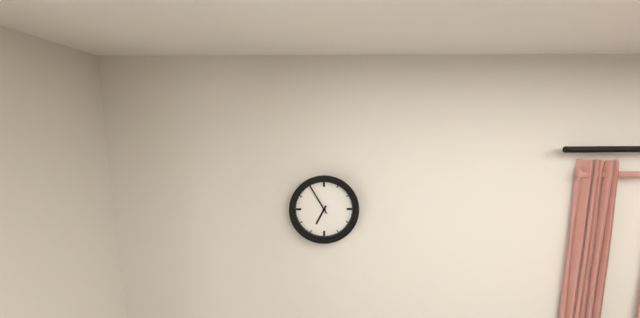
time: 6:55
